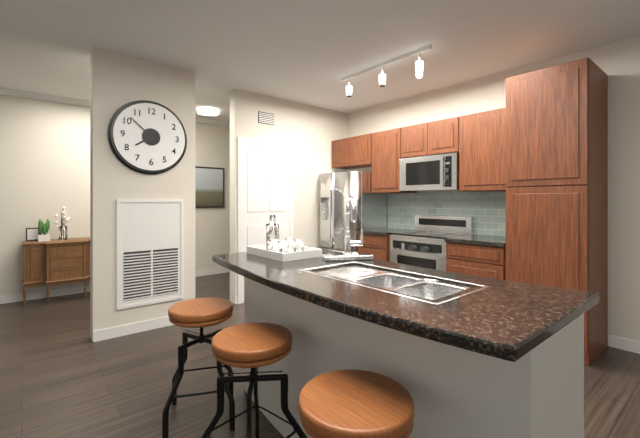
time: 7:52
